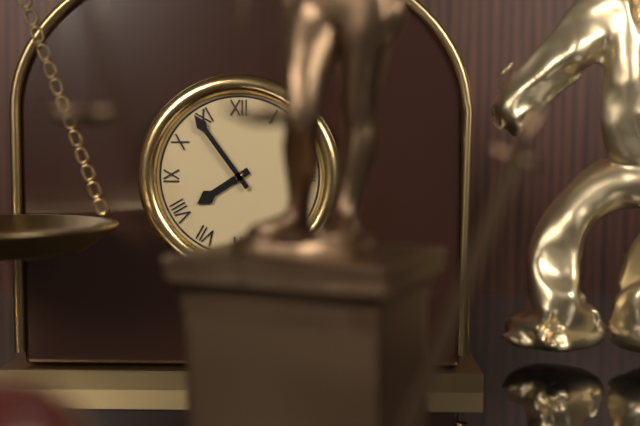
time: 7:54
